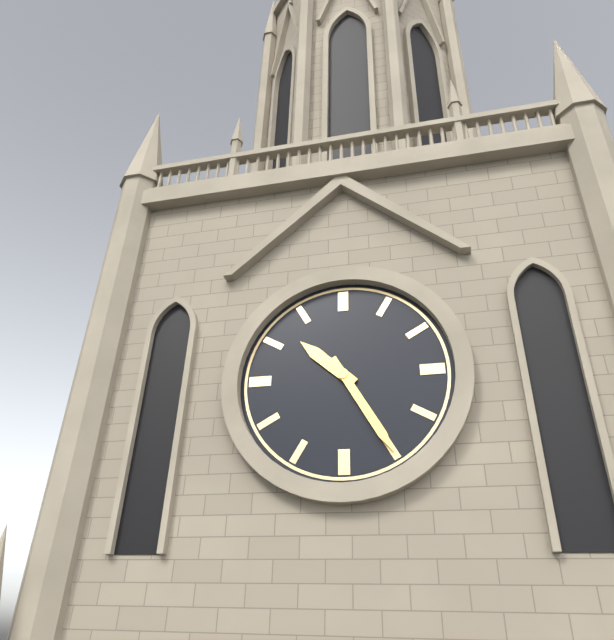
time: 10:25
